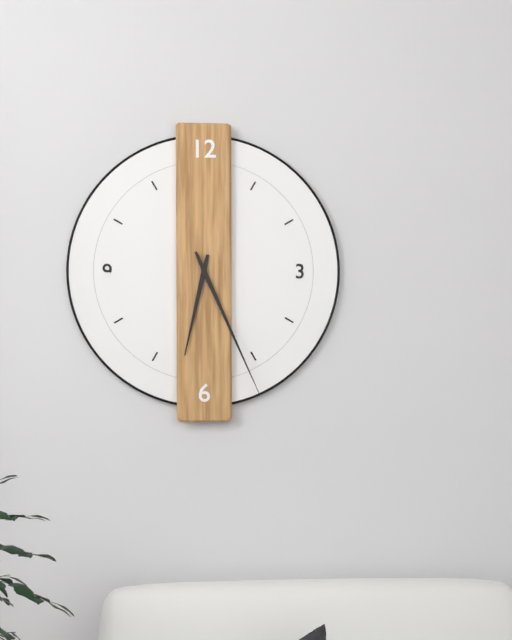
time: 6:26
